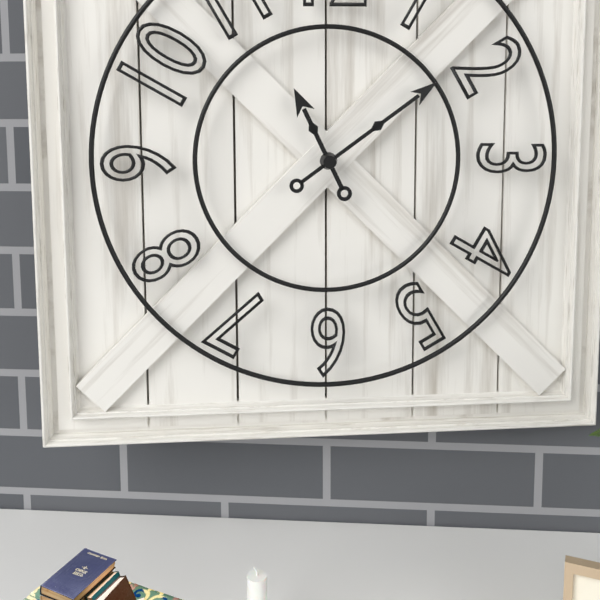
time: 11:09
